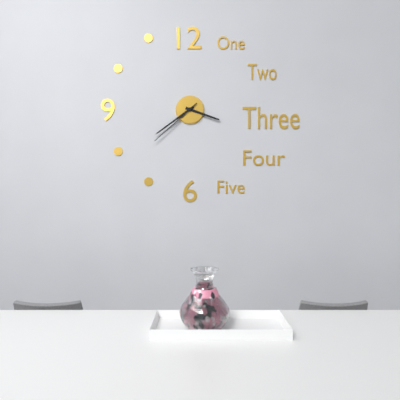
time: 3:39:38
